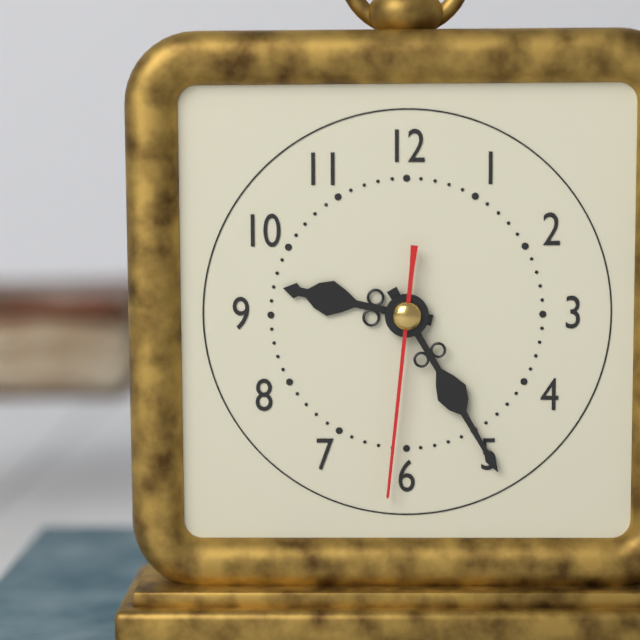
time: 9:25:31
